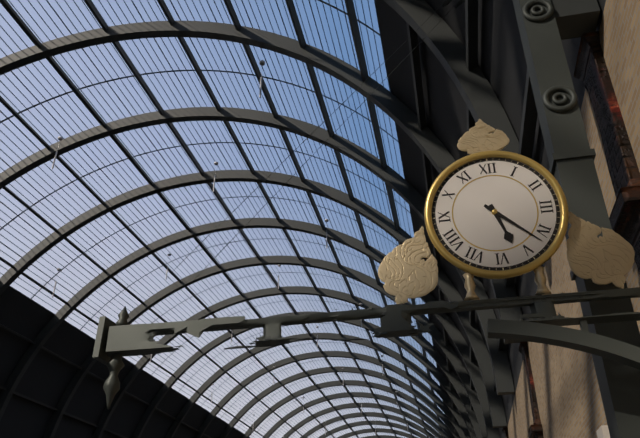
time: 5:22
